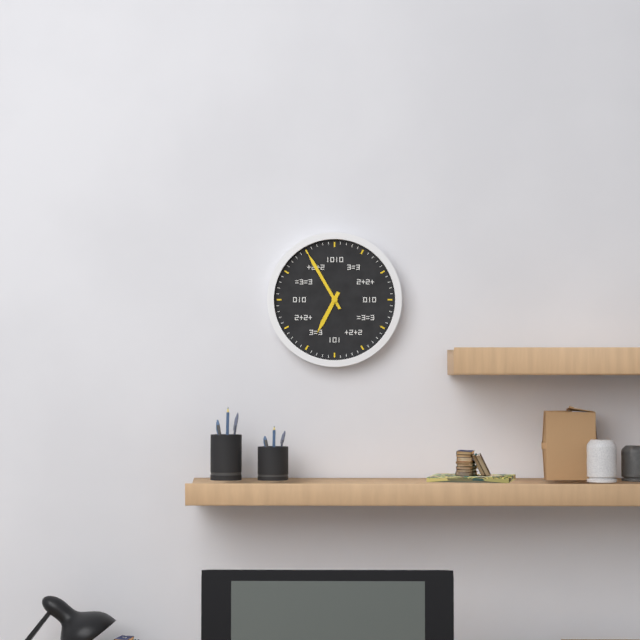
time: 6:55
